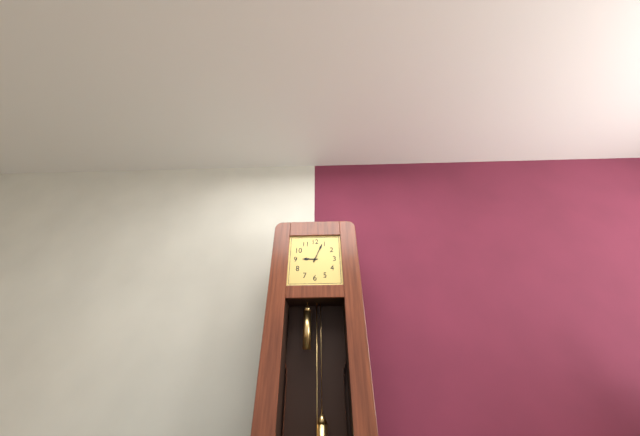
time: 9:04
